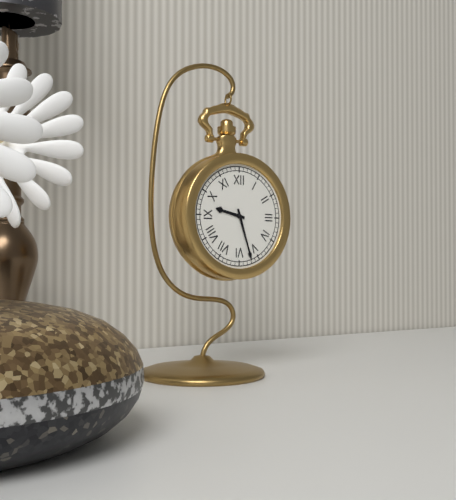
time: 9:27
